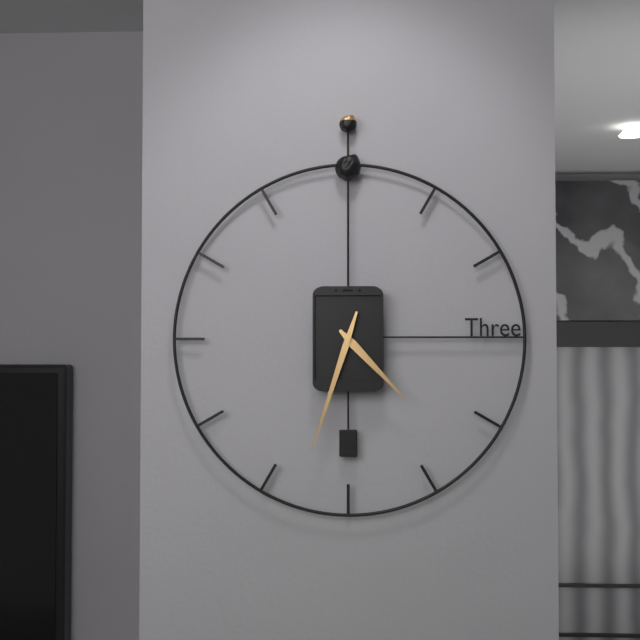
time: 4:33
